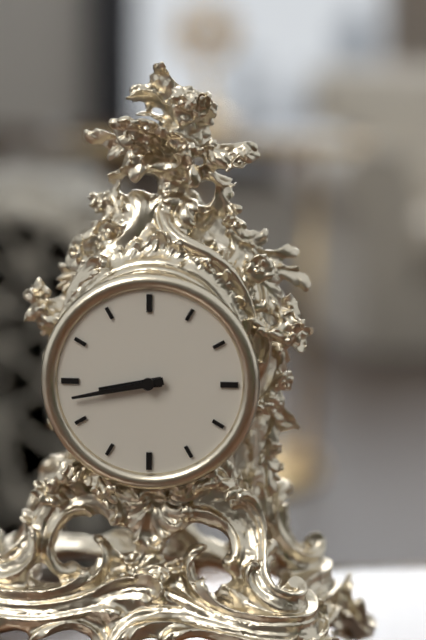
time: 8:43
